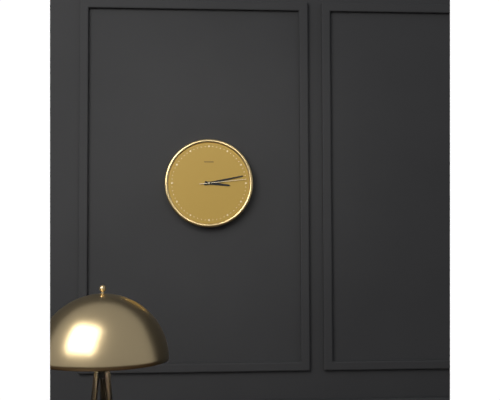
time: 3:13
